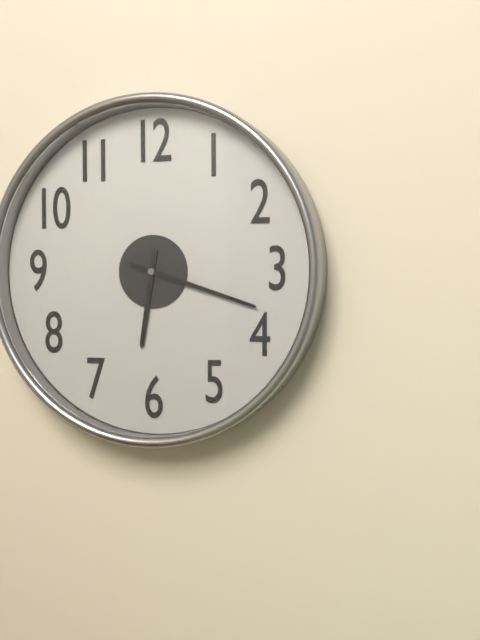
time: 6:18
